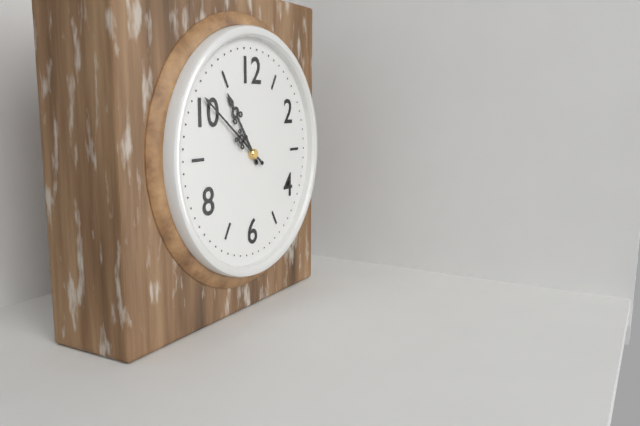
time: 10:51
